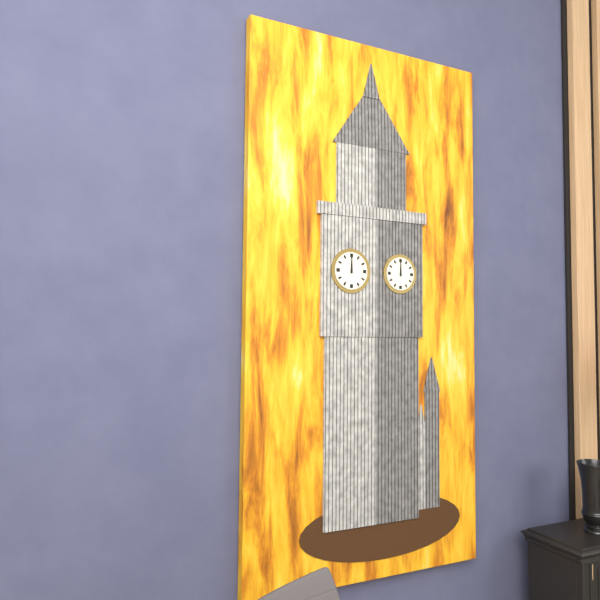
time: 12:00
